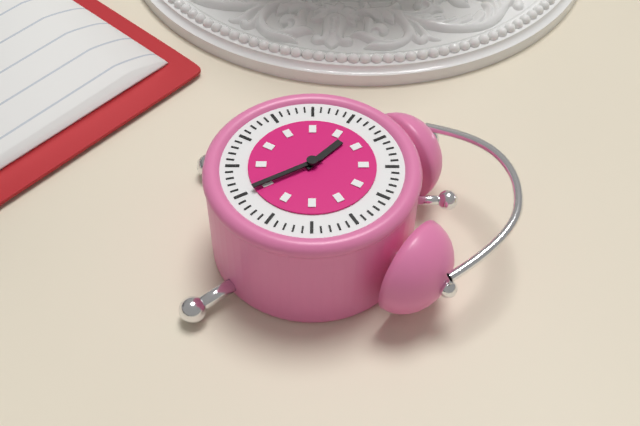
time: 10:25
